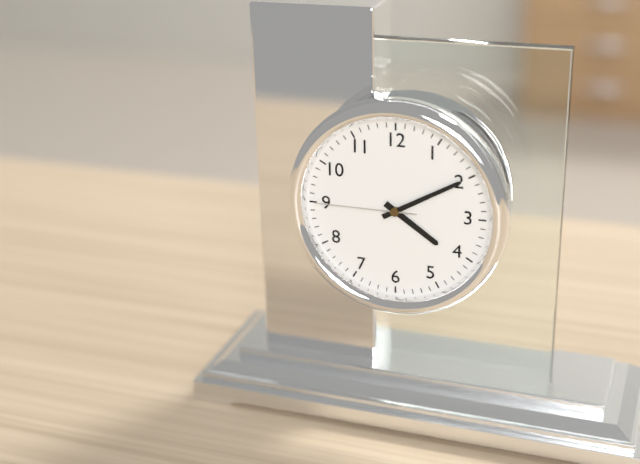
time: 4:10:45
